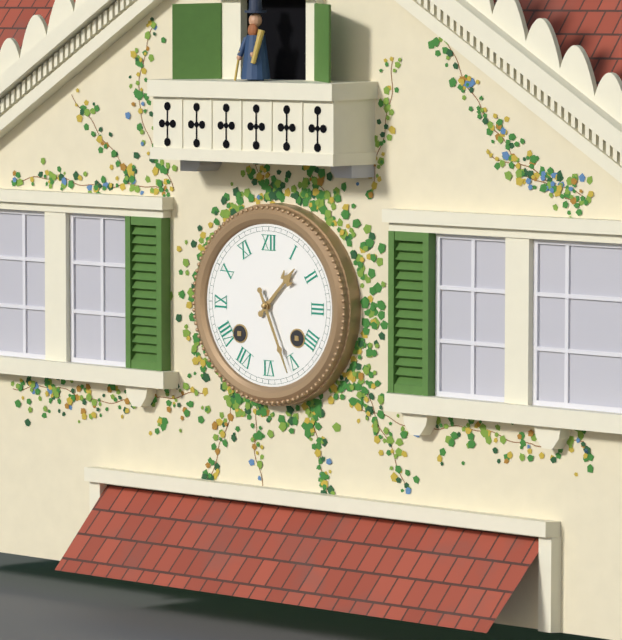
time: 1:26
